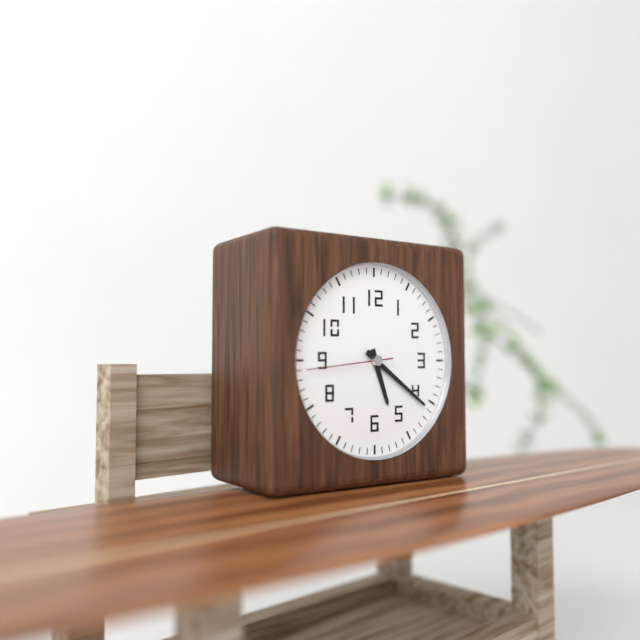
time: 5:21:44
